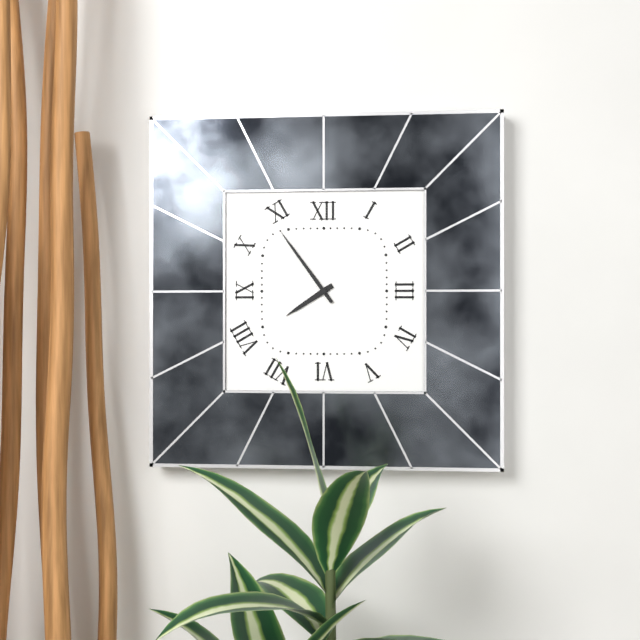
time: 7:54
